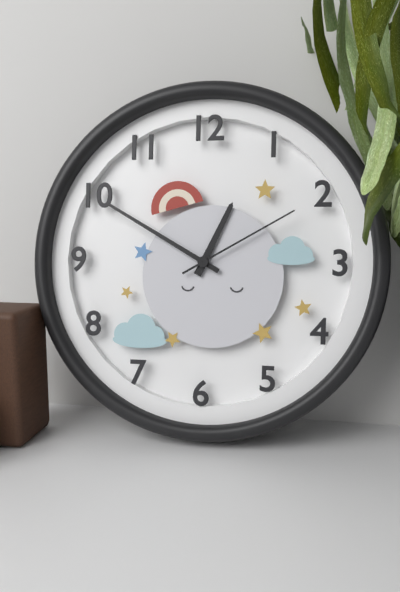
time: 12:50:10
